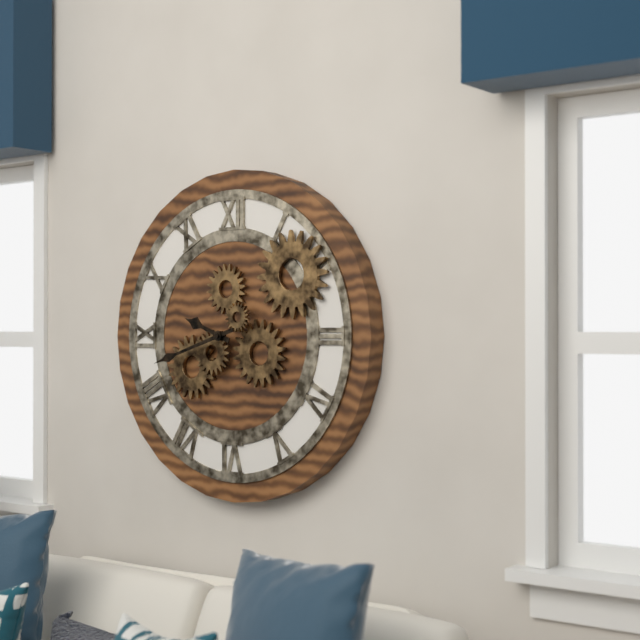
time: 9:42
